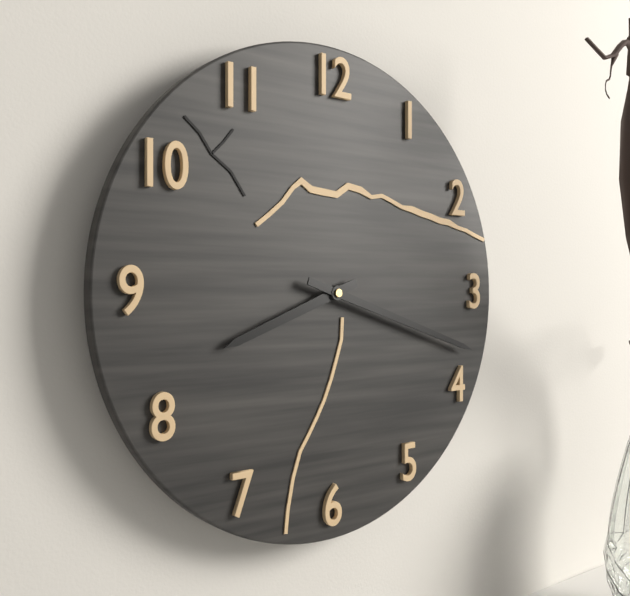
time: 8:18
